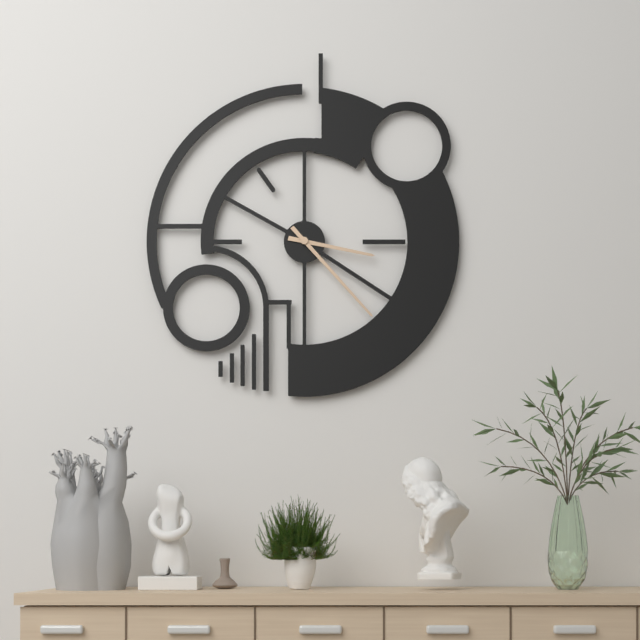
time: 3:23
